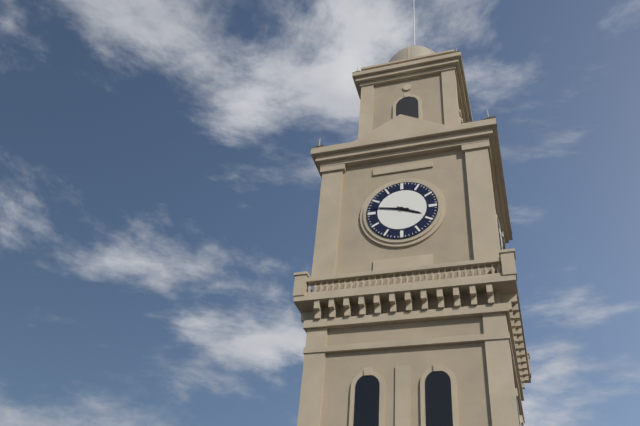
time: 3:47
